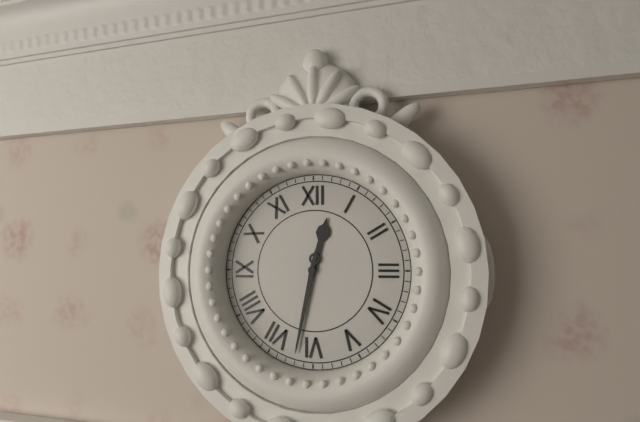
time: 12:32
